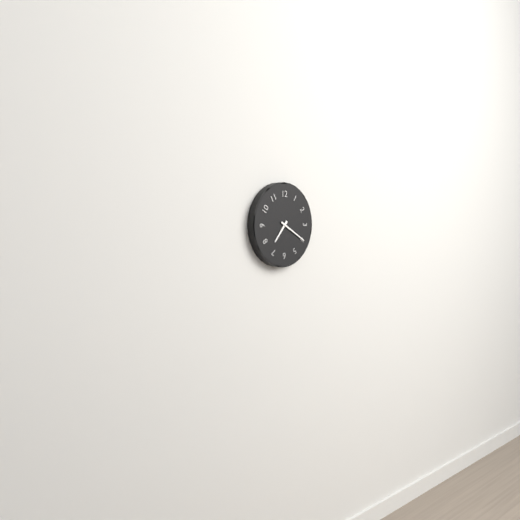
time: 7:20
